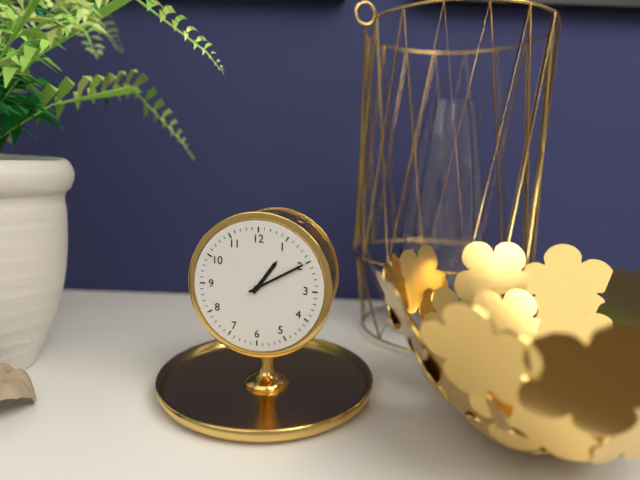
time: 1:10
